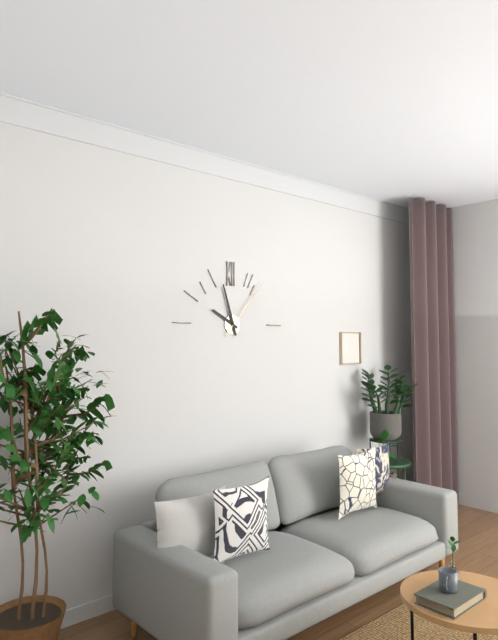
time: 9:57:07
